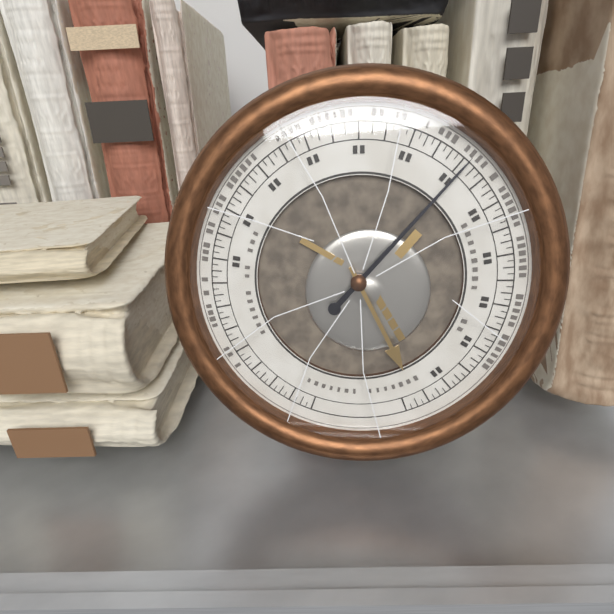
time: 5:07
